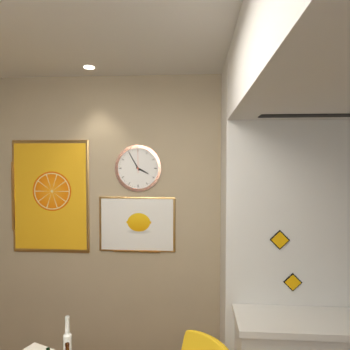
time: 3:55
